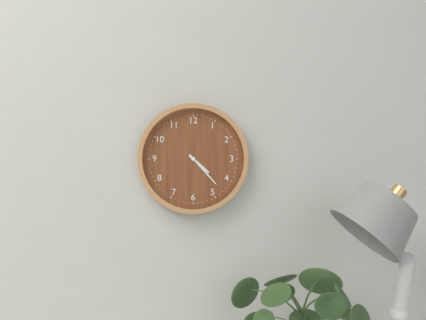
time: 4:23
